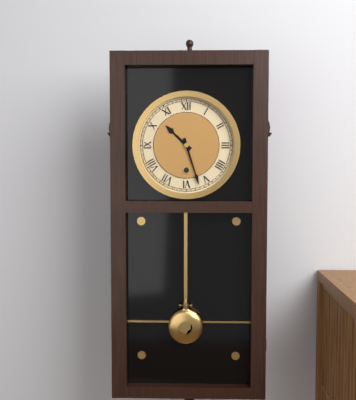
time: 10:27
